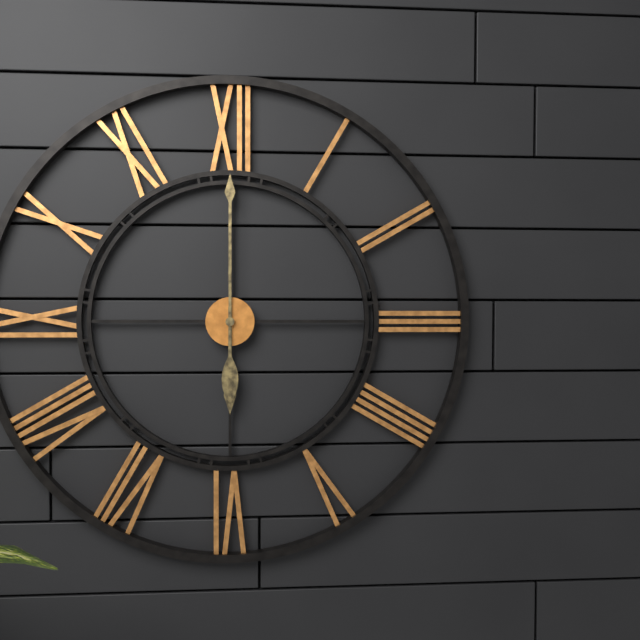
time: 6:00
